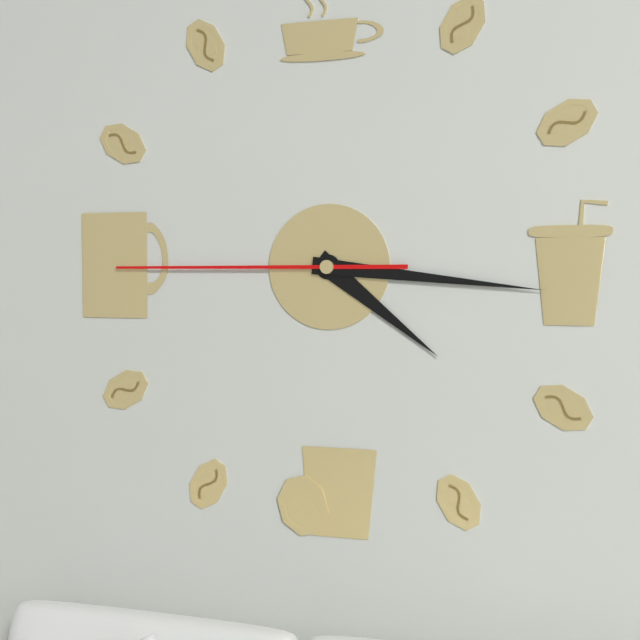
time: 4:16:45
